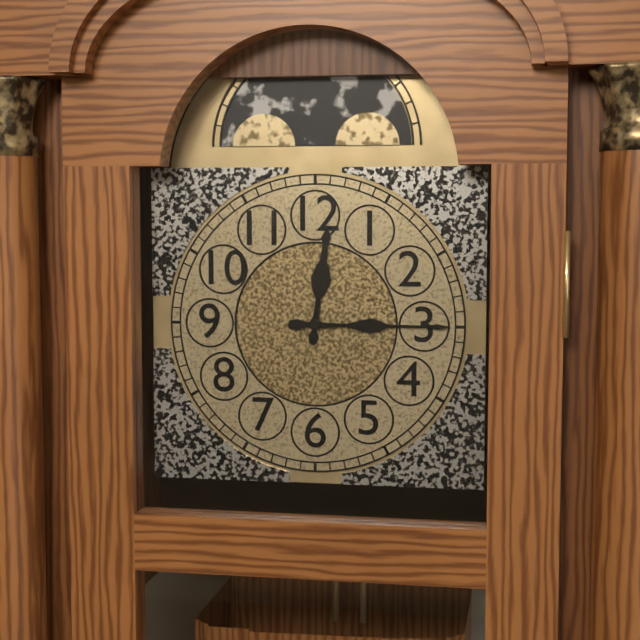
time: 12:15
